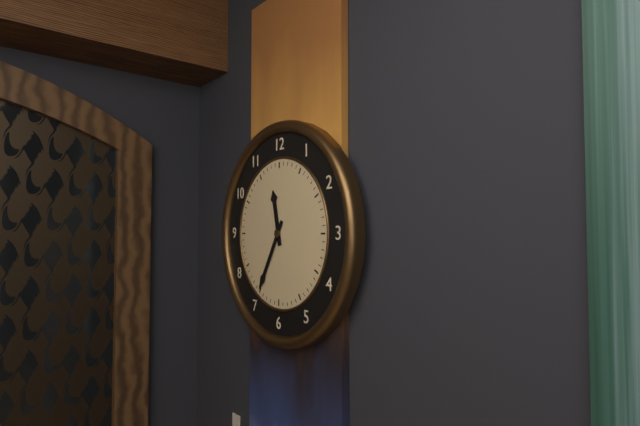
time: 11:35
